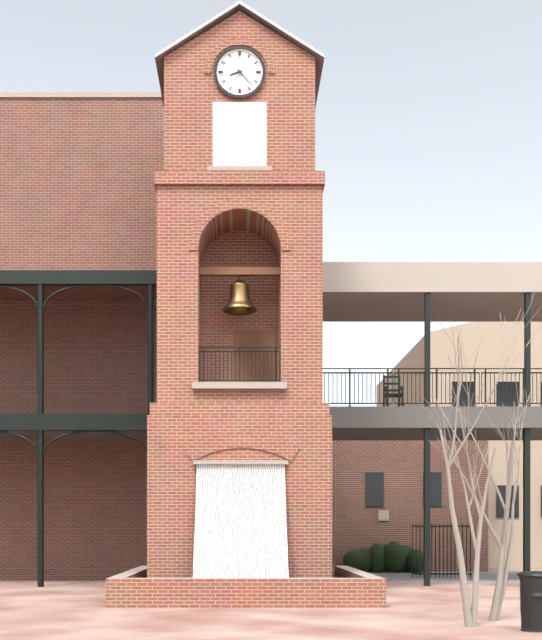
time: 8:23
